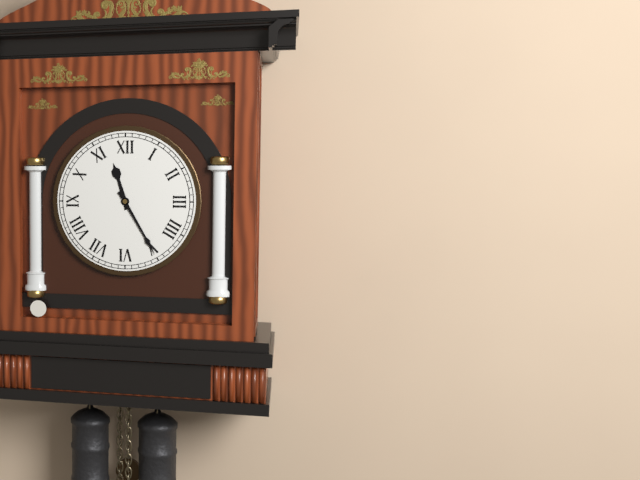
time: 11:25
